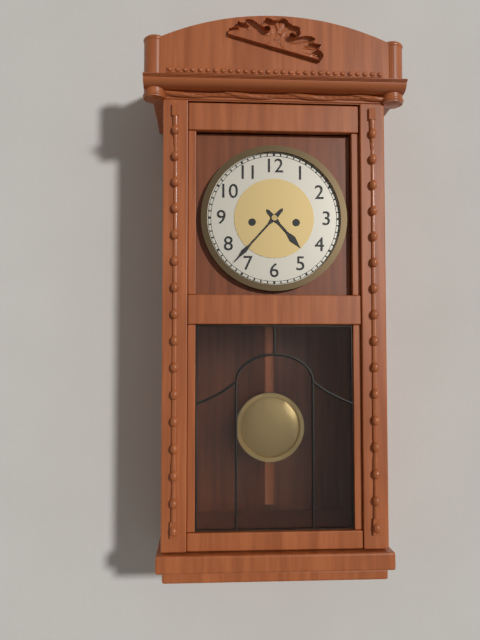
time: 4:37
